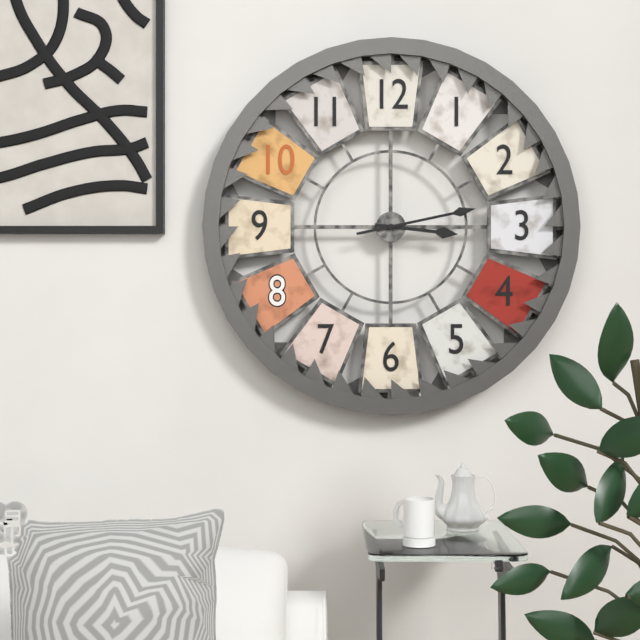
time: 3:13
